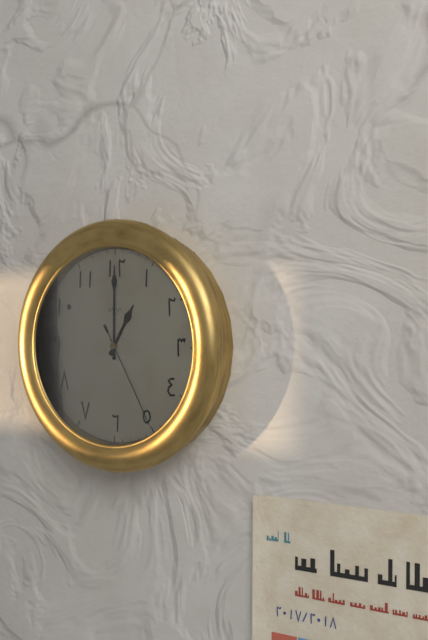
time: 1:00:25
